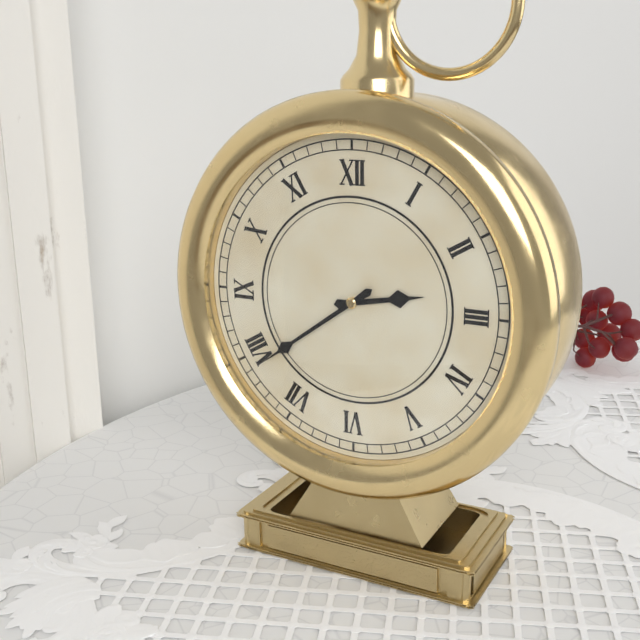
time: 2:39
